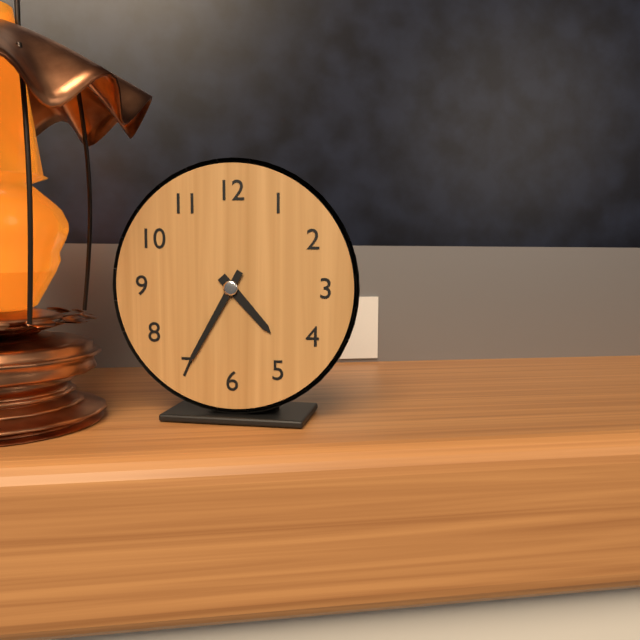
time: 4:35
